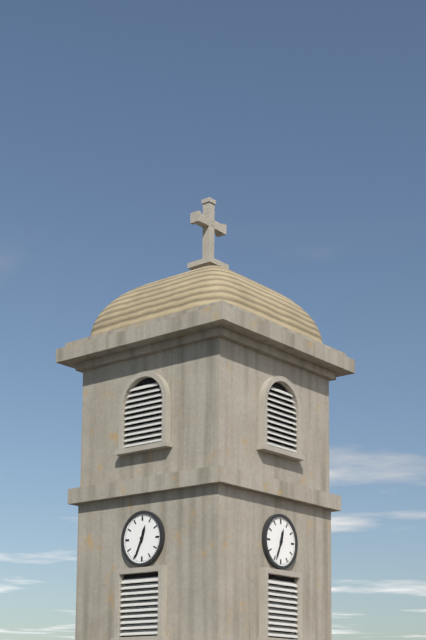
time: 12:34
